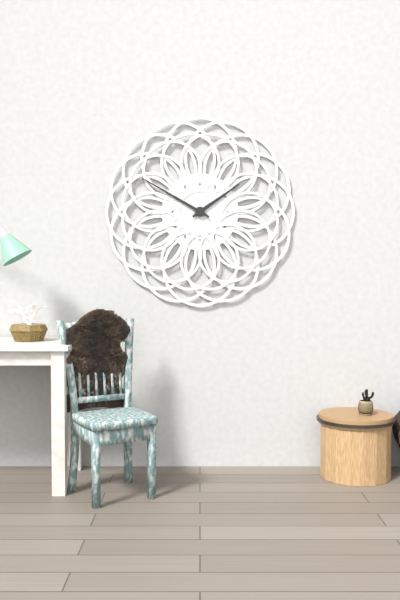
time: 1:50
